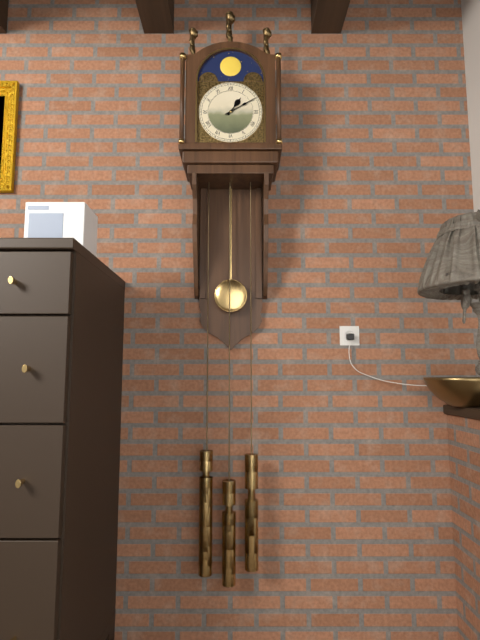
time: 1:10
